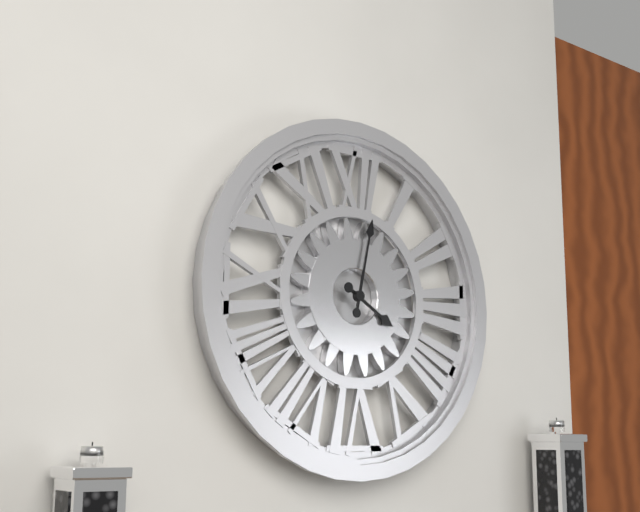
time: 4:02
